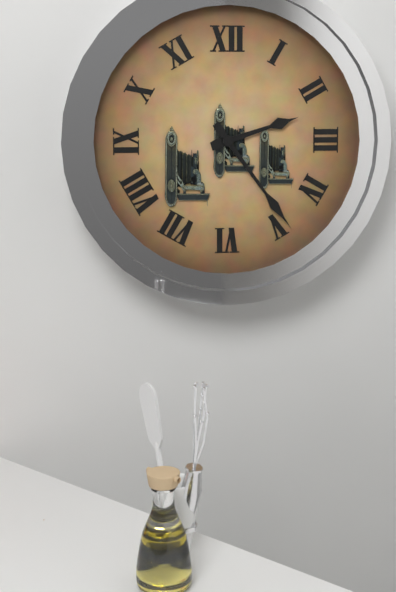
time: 2:24
